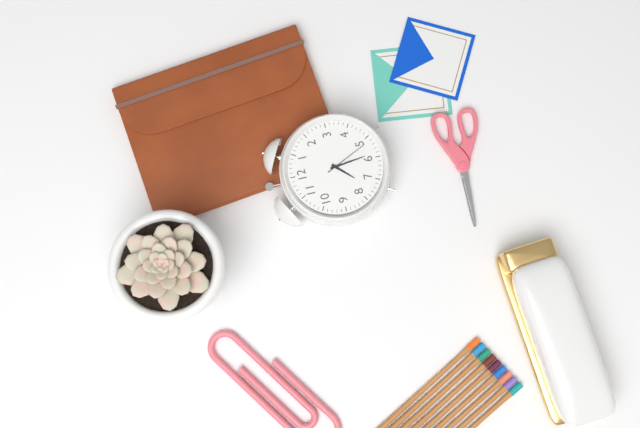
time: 7:29
